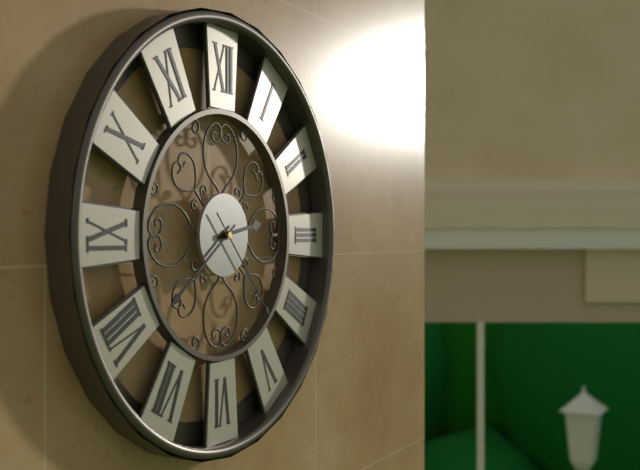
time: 2:39:23
